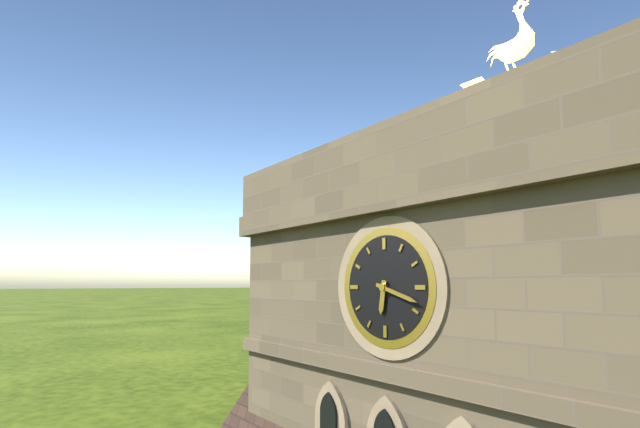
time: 6:18
